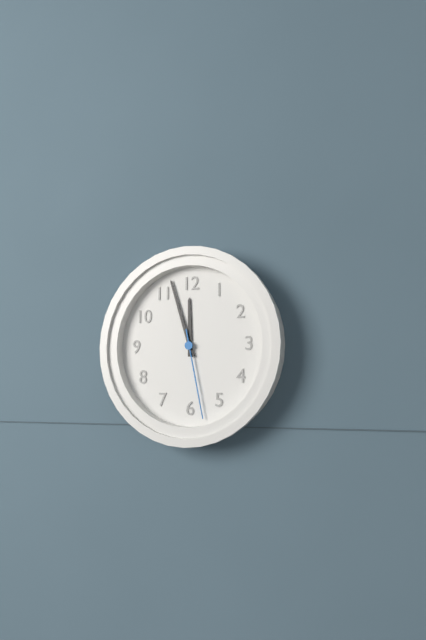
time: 11:57:28
